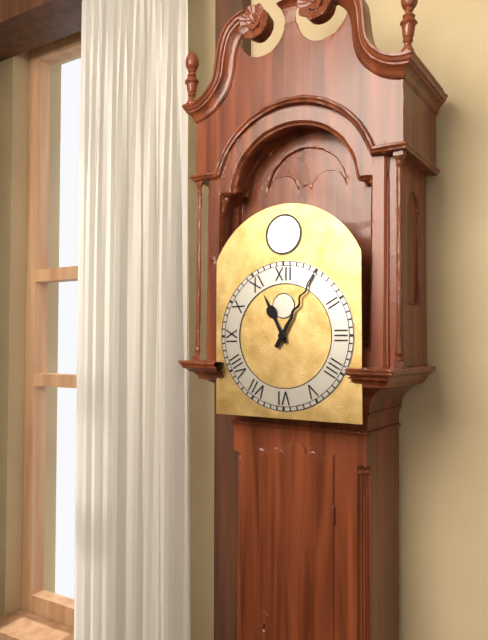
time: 11:05
